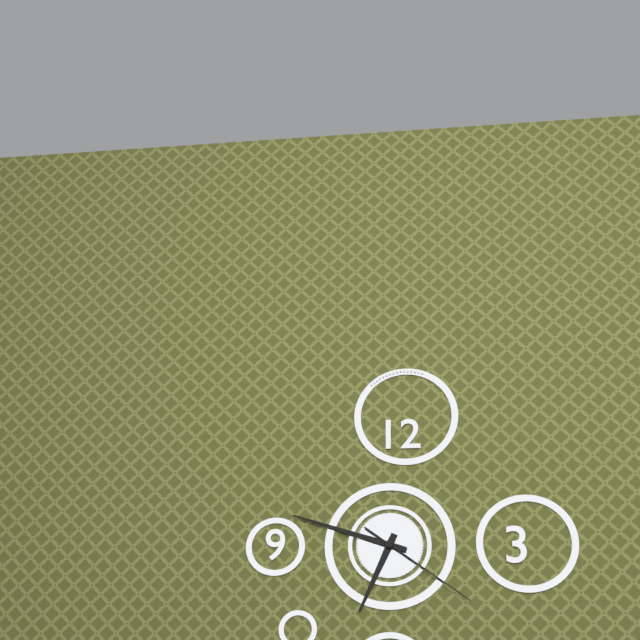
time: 6:48:21
